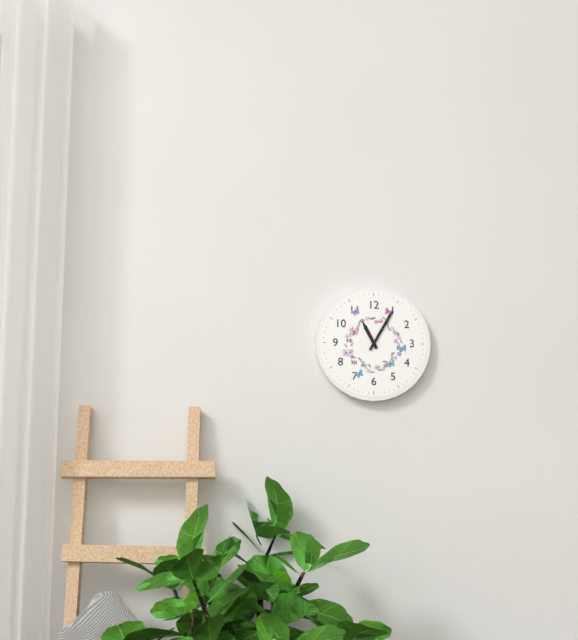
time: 11:05
